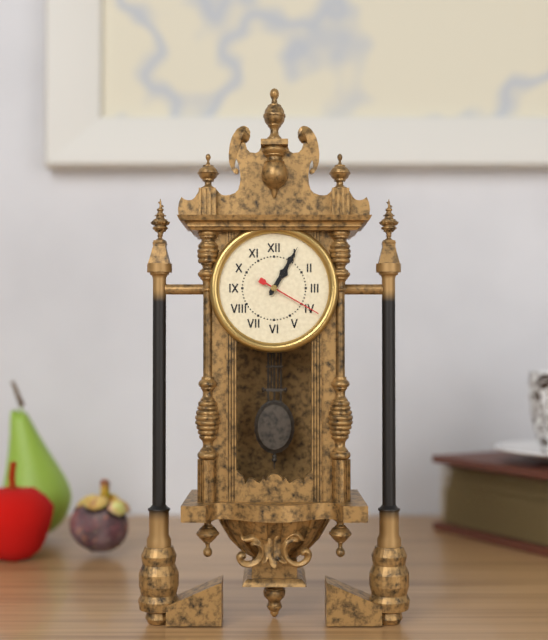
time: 1:05:20
